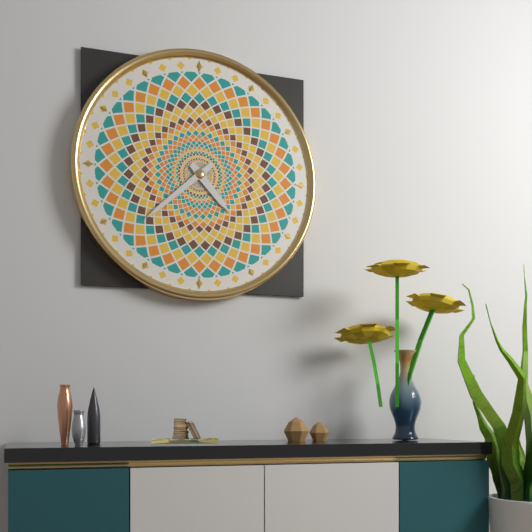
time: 4:38
